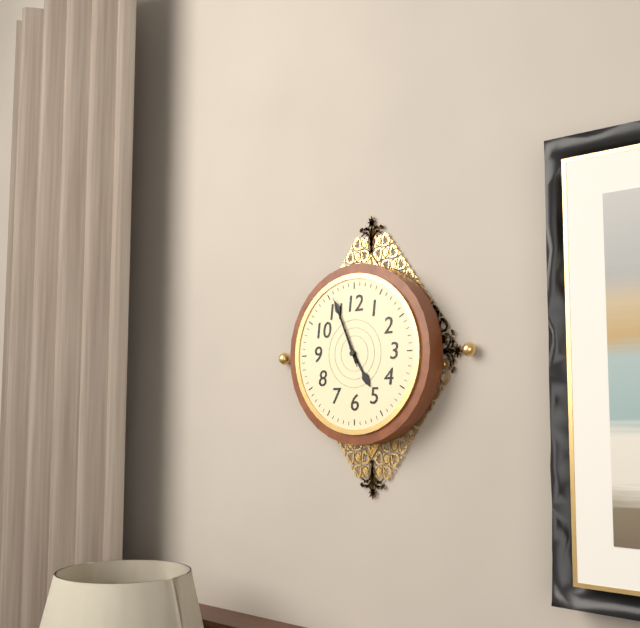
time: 4:56:56
